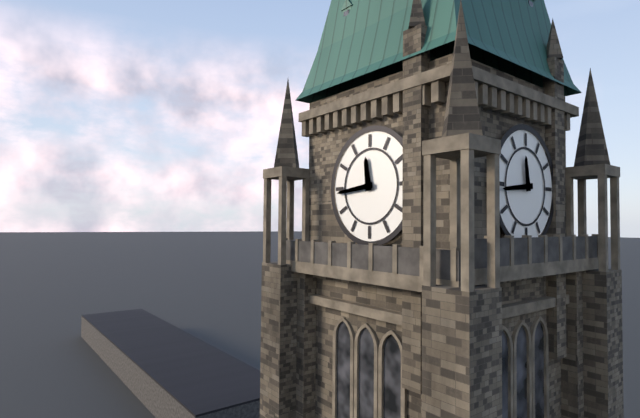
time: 11:44
